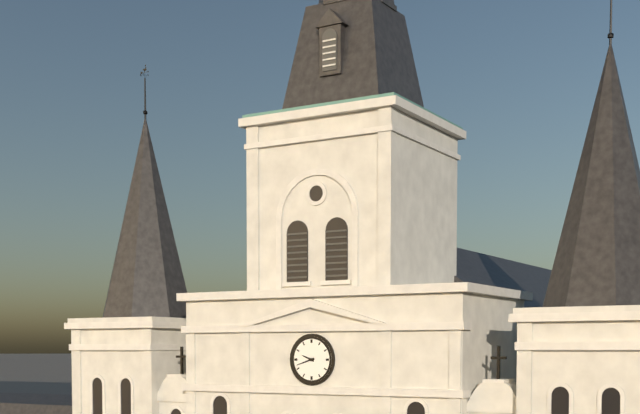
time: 9:42
